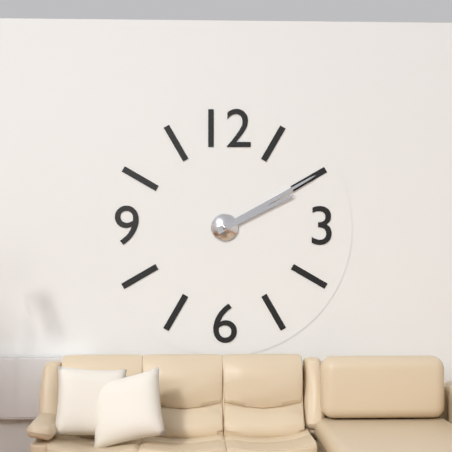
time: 2:10
